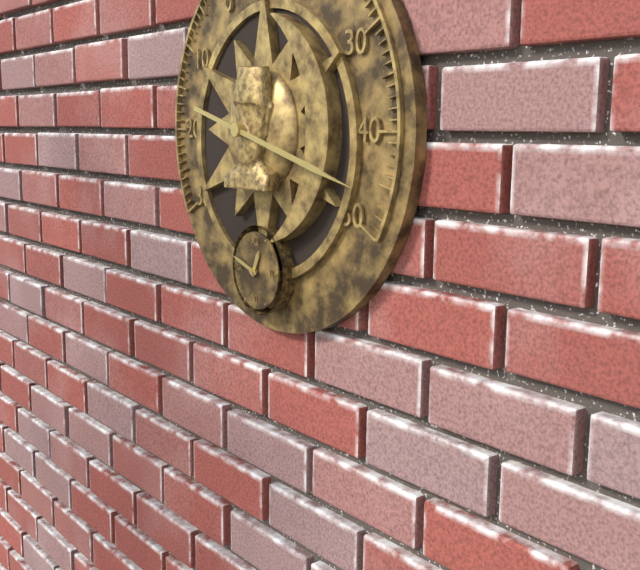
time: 12:48
